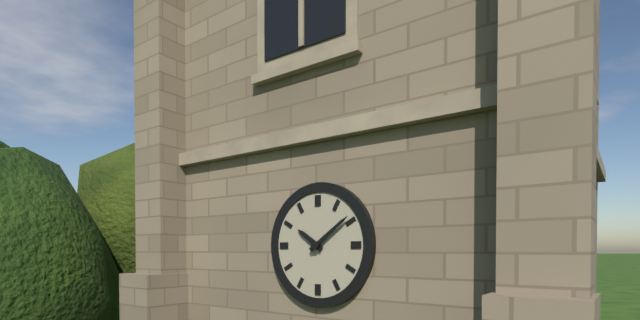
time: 10:09
